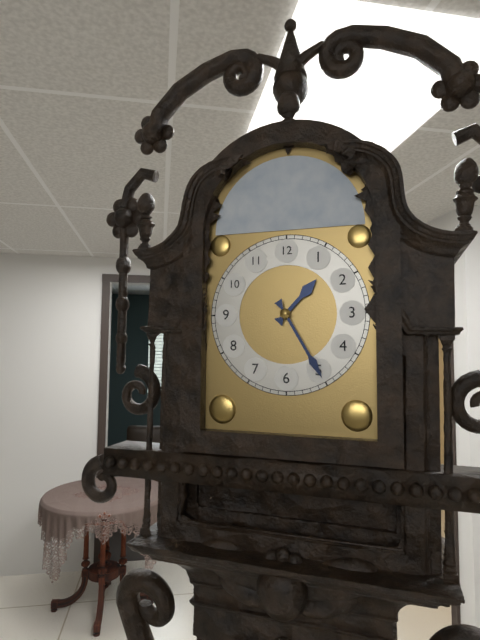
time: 1:25
